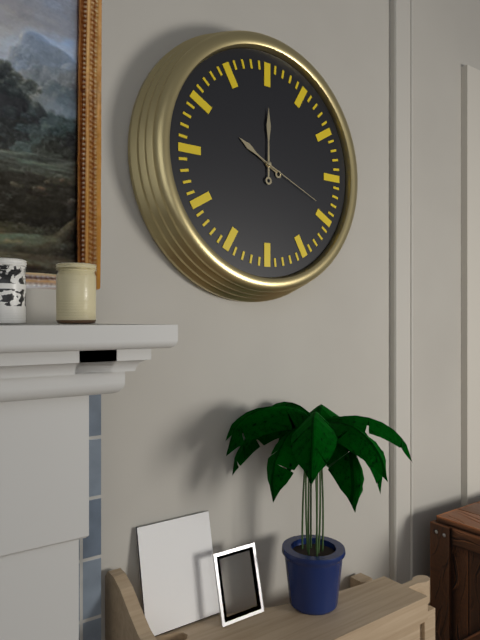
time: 10:00:19
